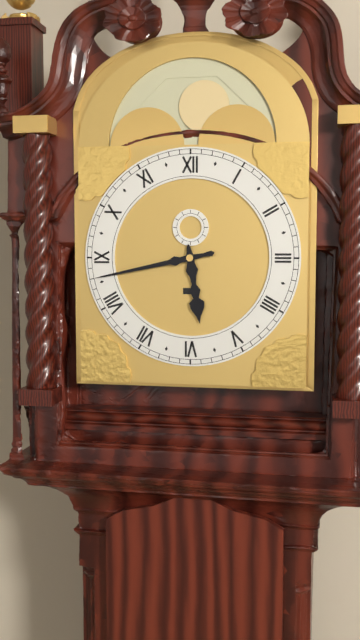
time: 5:43
